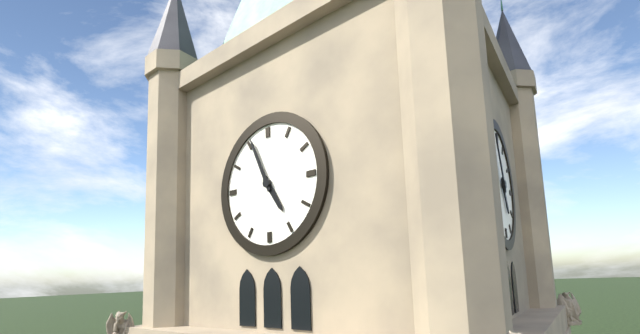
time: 4:56
